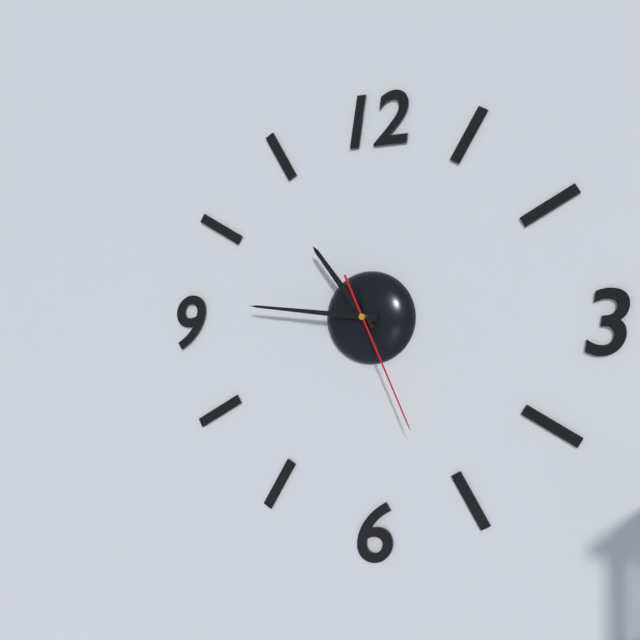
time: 10:46:26
